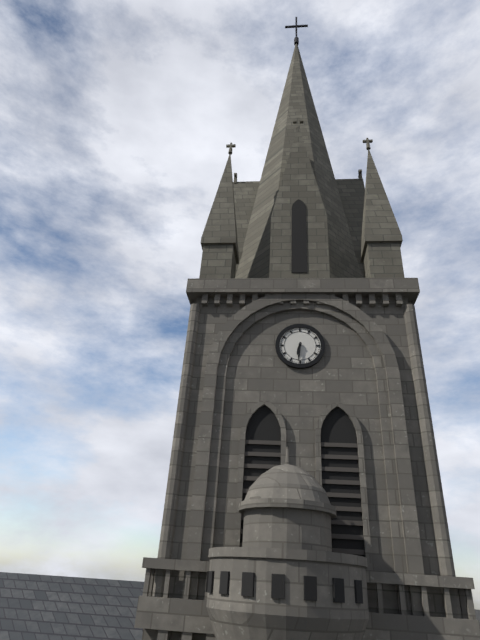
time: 6:31
